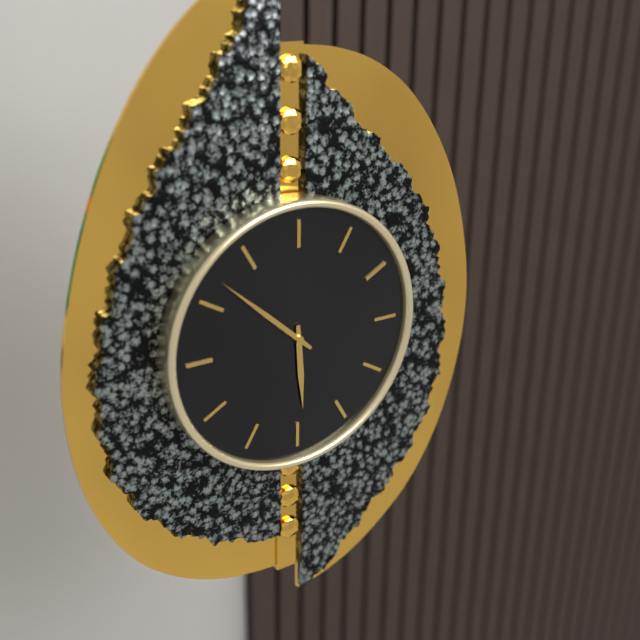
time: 5:52
